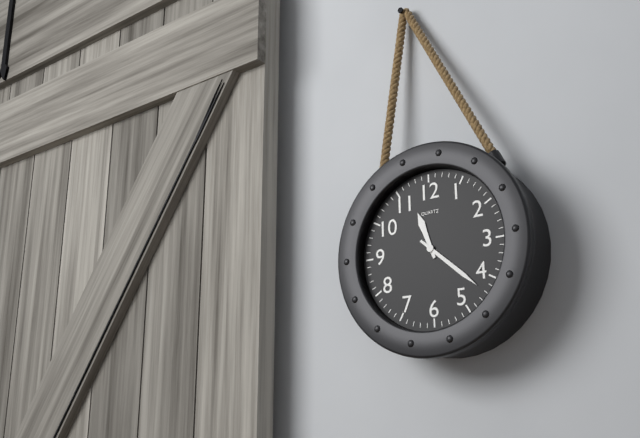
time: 11:22
